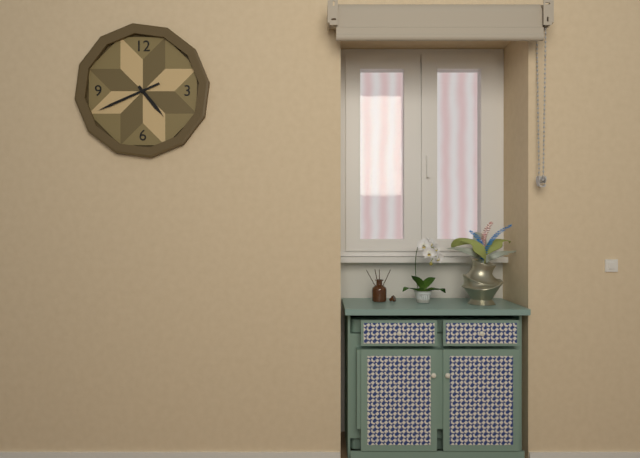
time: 4:41
